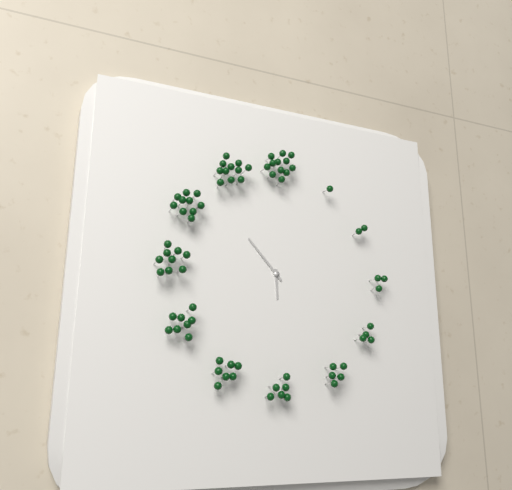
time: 5:53
